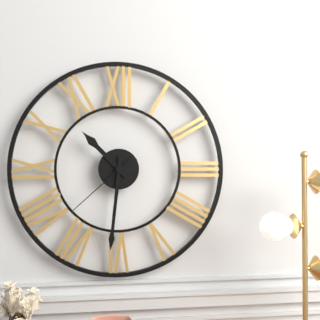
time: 10:31:38
